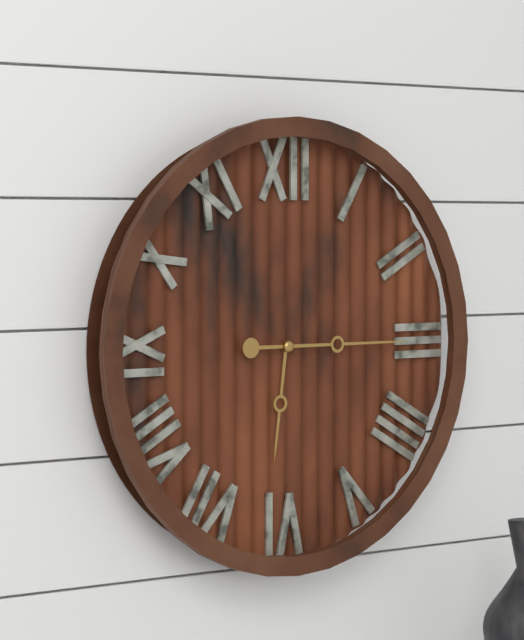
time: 6:15
